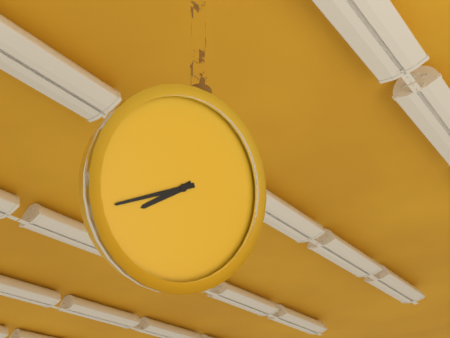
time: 7:40
